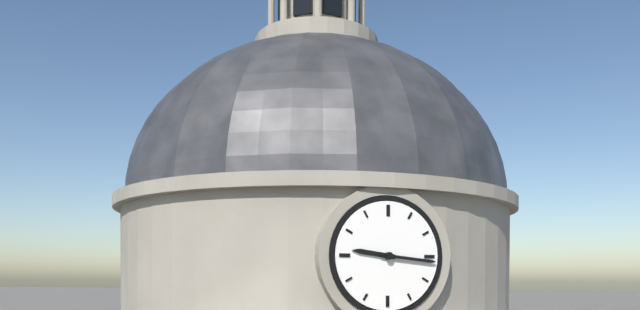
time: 9:16
